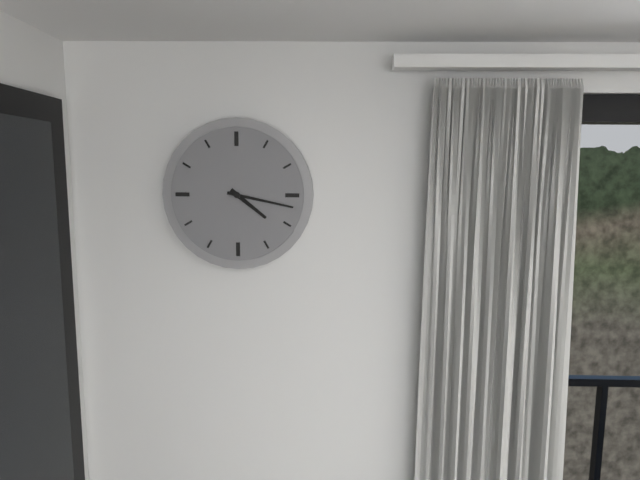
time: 4:17
